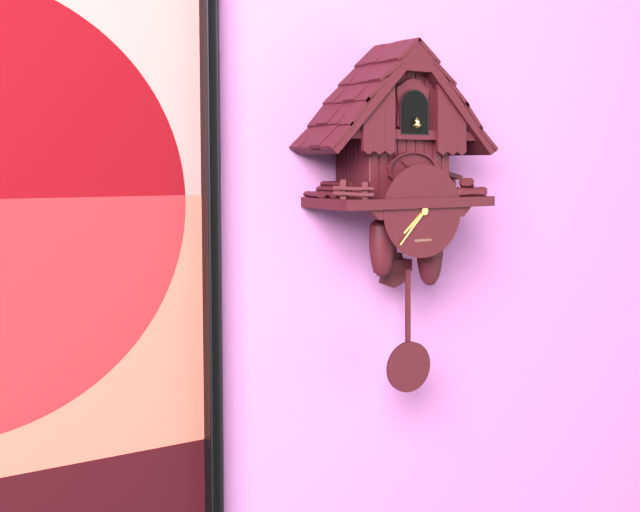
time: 7:37
